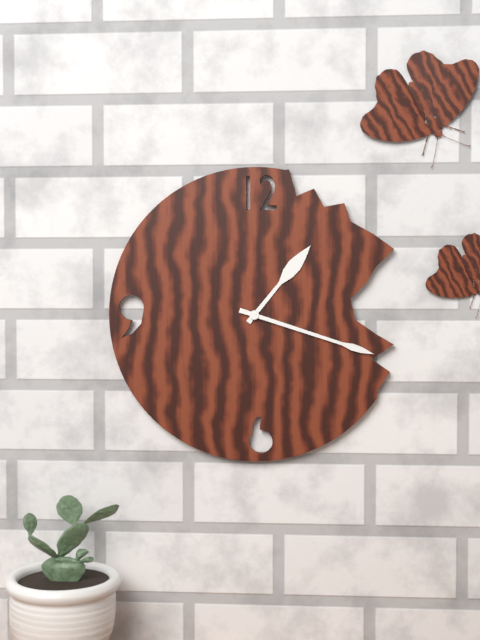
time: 1:18
